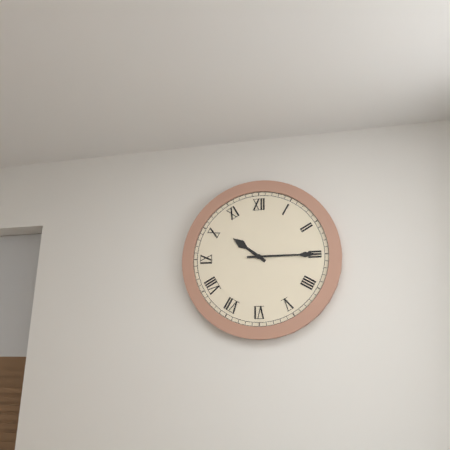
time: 10:15
